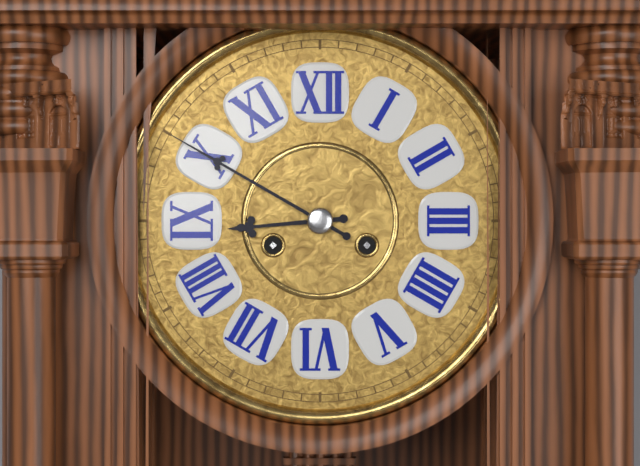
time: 8:50
